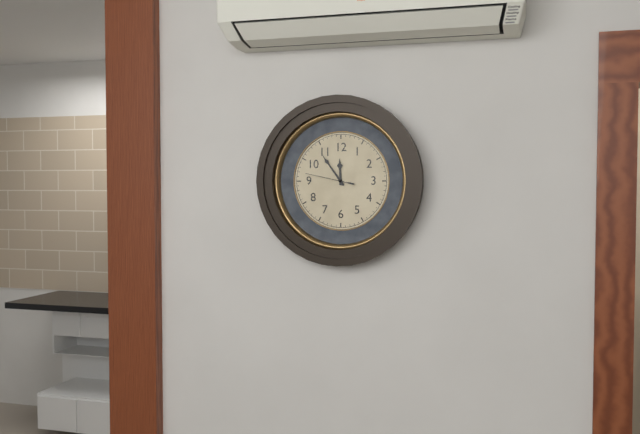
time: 11:54
